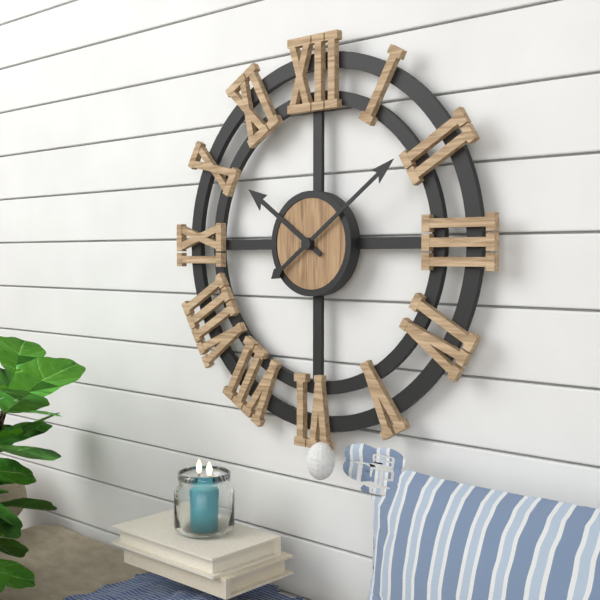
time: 10:09
